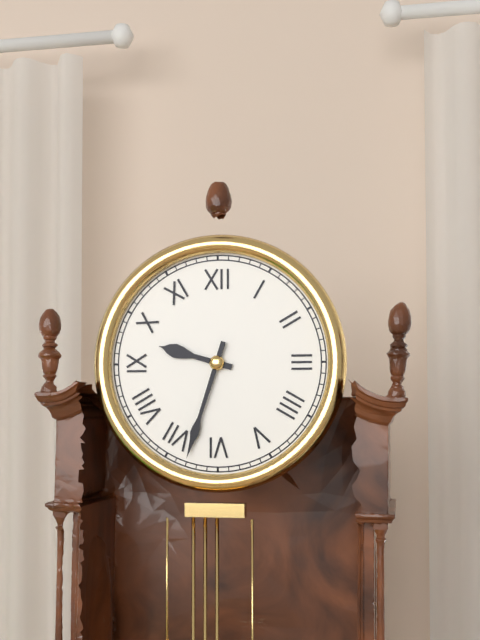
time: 9:33
